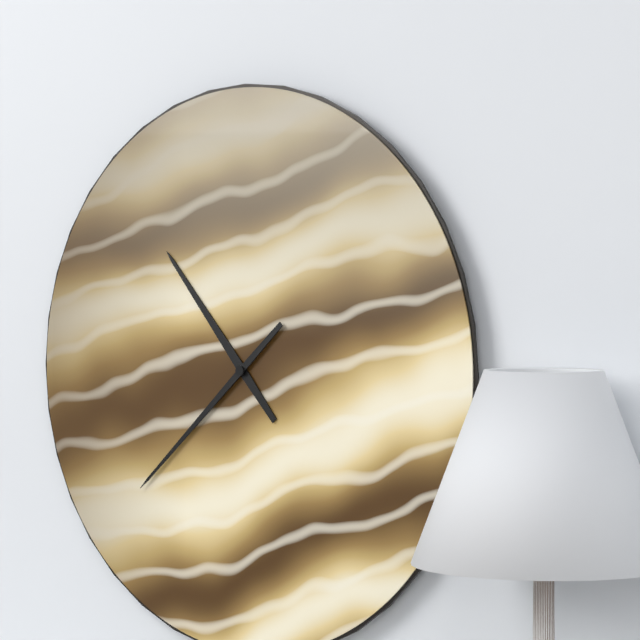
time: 10:38
